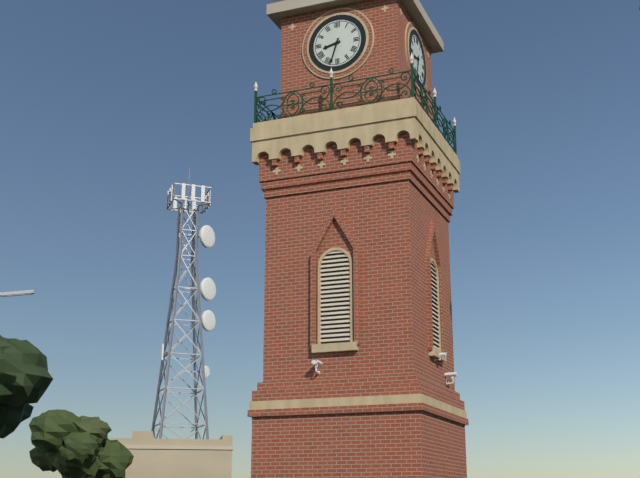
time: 8:33
